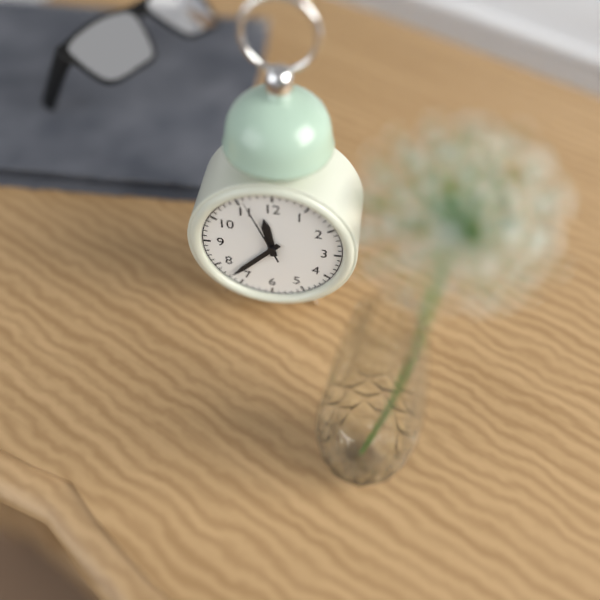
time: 11:37:56
